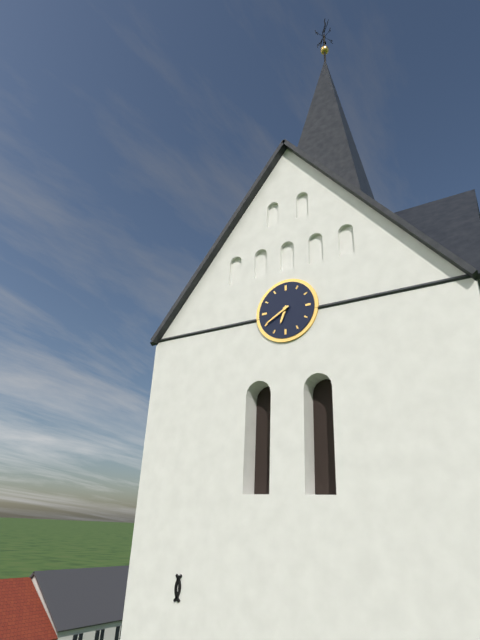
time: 6:40
